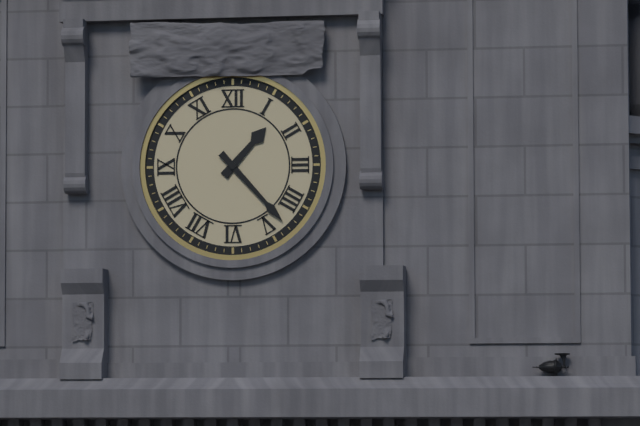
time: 1:23
